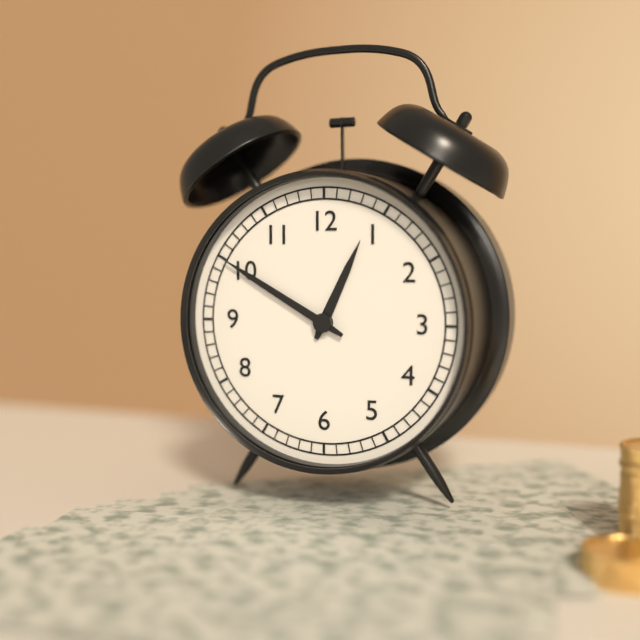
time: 12:50
